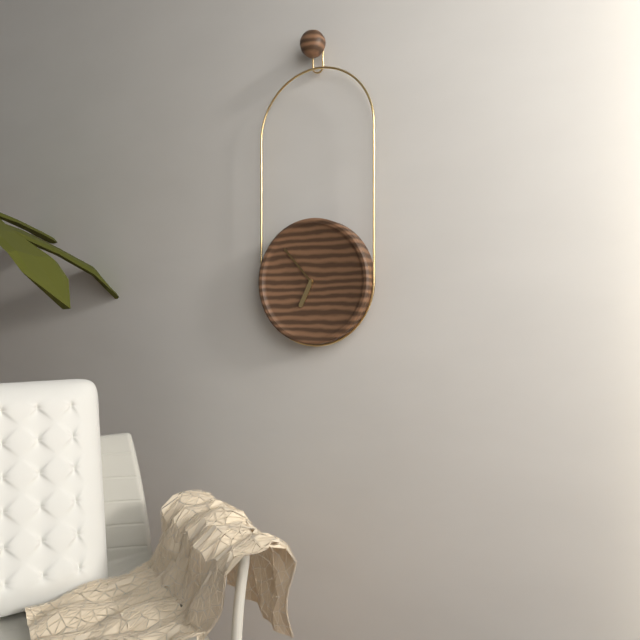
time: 6:53
